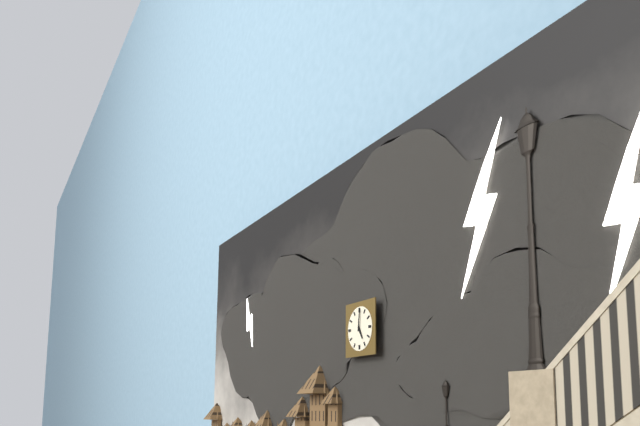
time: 5:01
